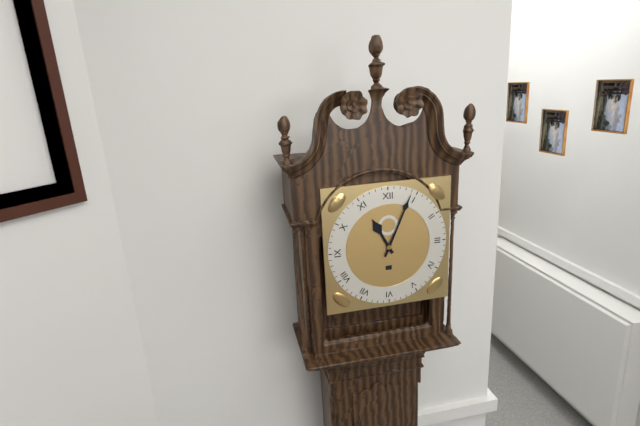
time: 11:04
